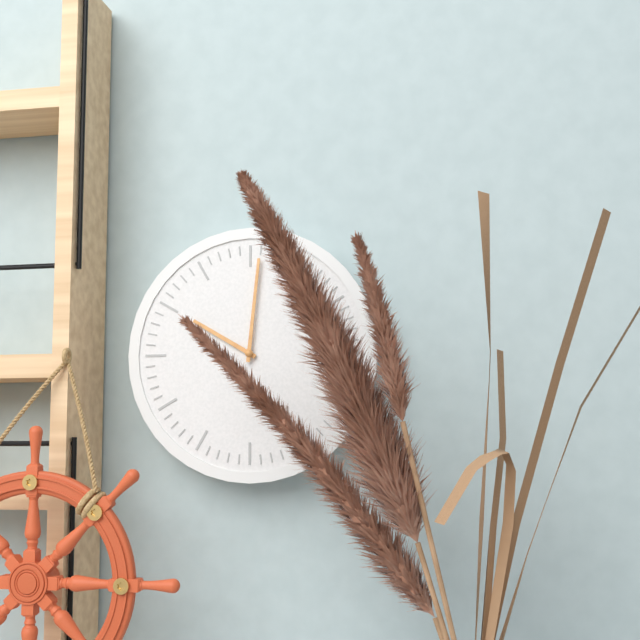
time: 10:01
